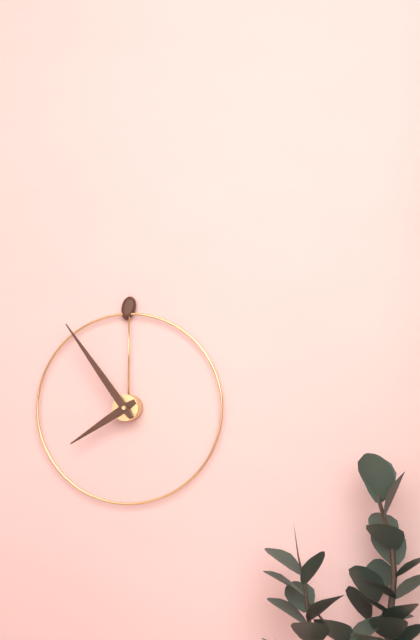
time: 7:54
